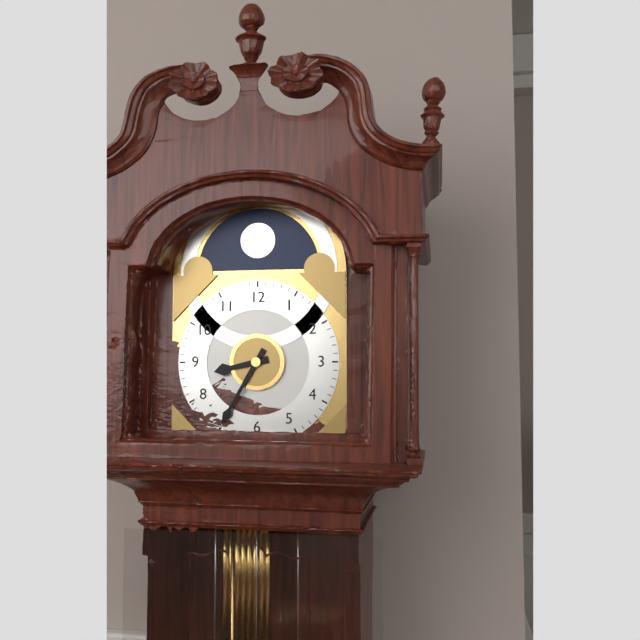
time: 8:35
